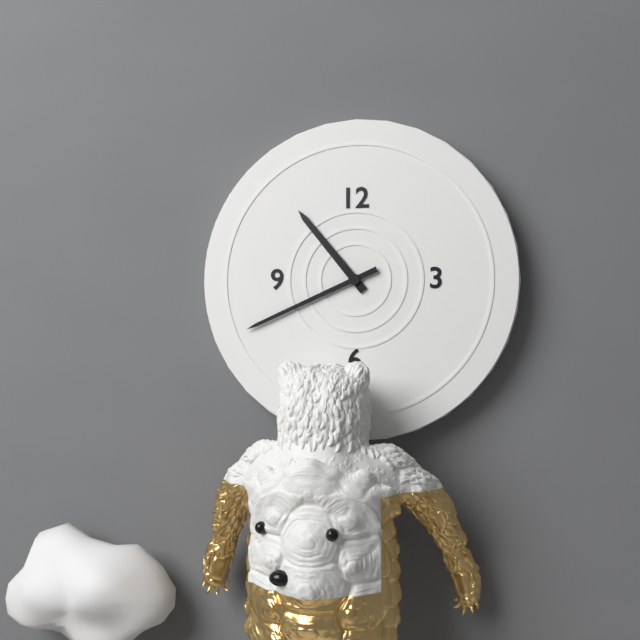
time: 10:41
